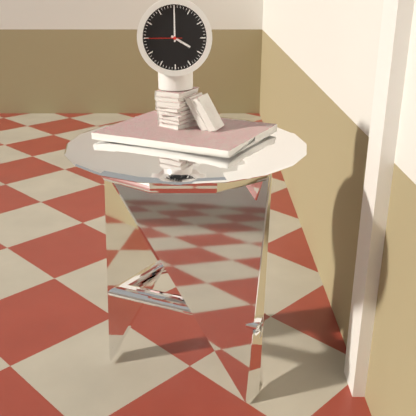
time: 4:00
